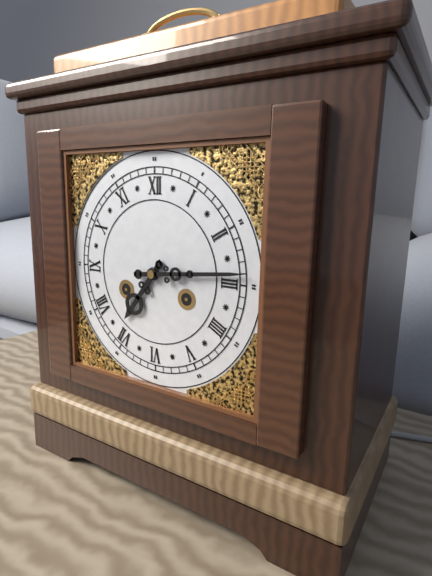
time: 7:14
